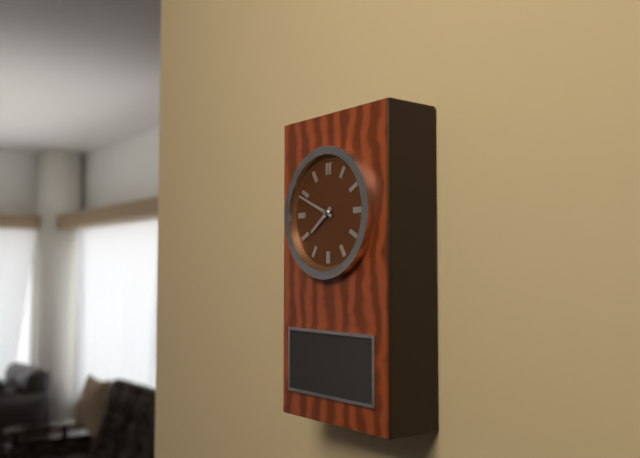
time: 7:49
